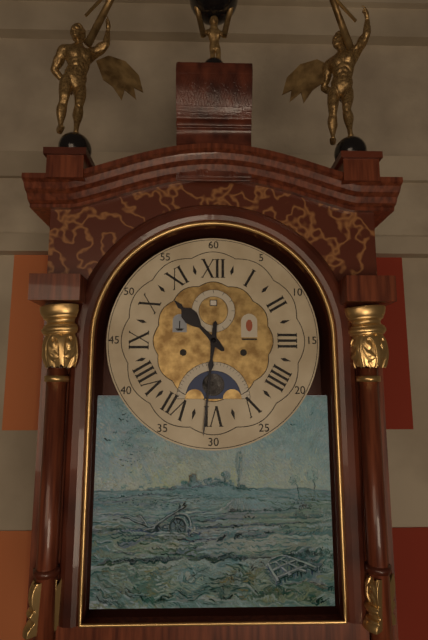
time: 10:31
